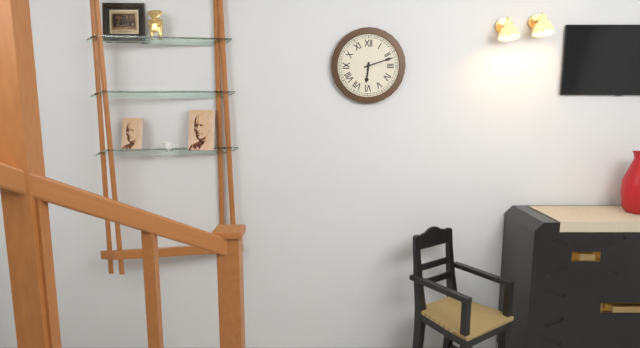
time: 6:12
